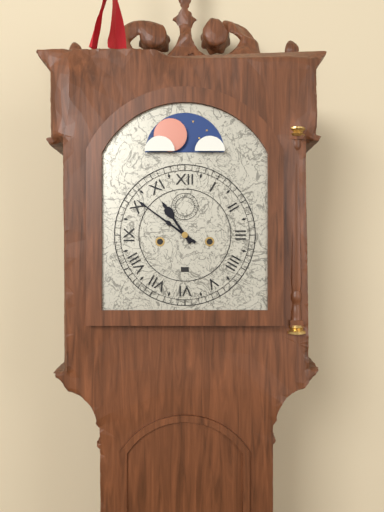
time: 10:51
